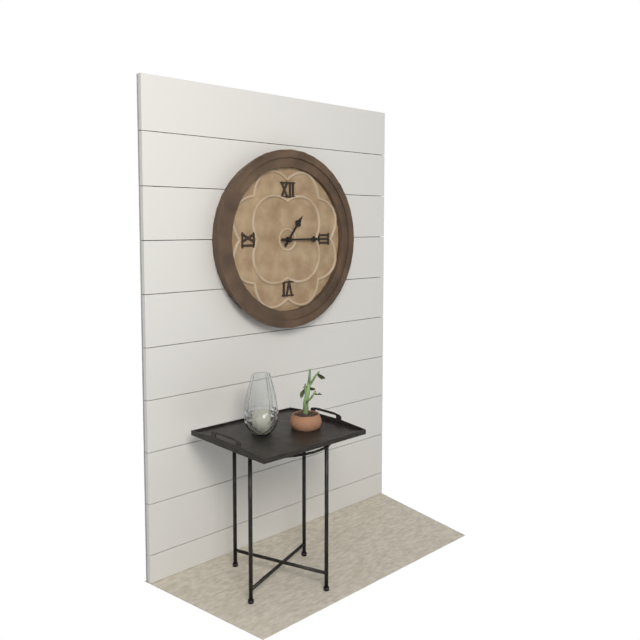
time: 1:15
